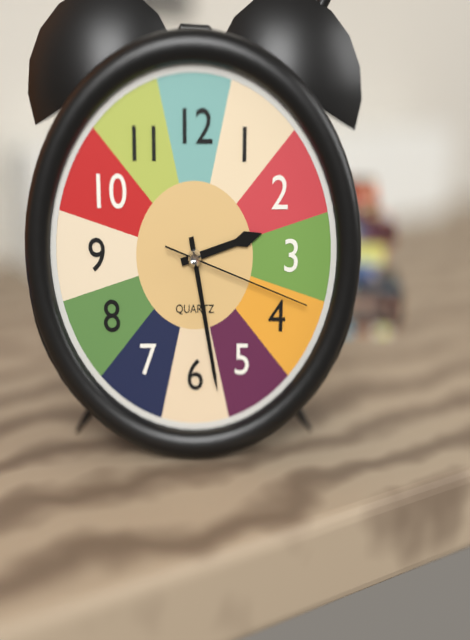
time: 2:28:18
